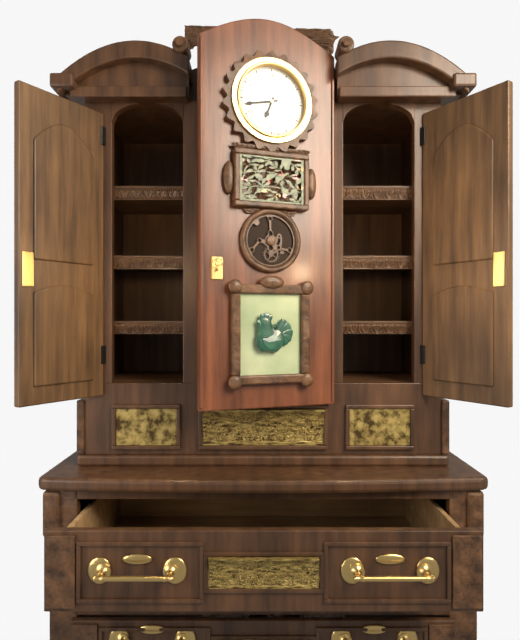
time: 6:43
